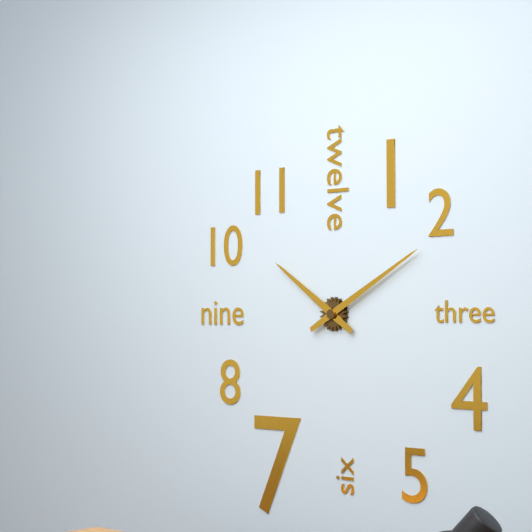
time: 10:10
